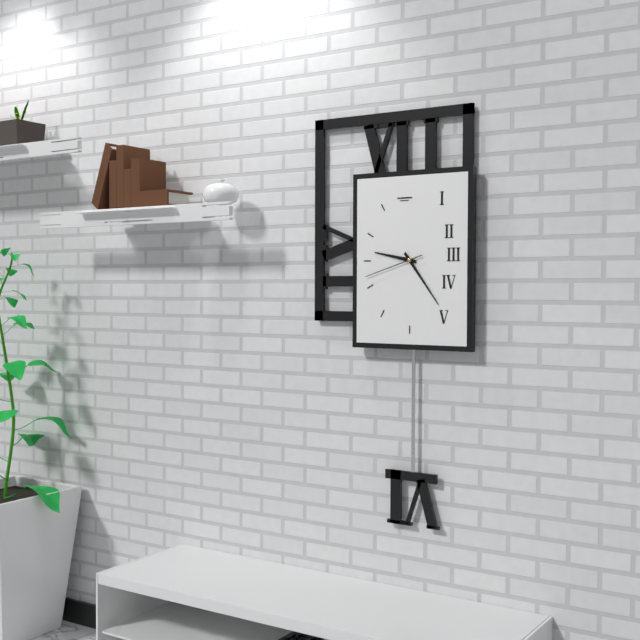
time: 9:24:42
